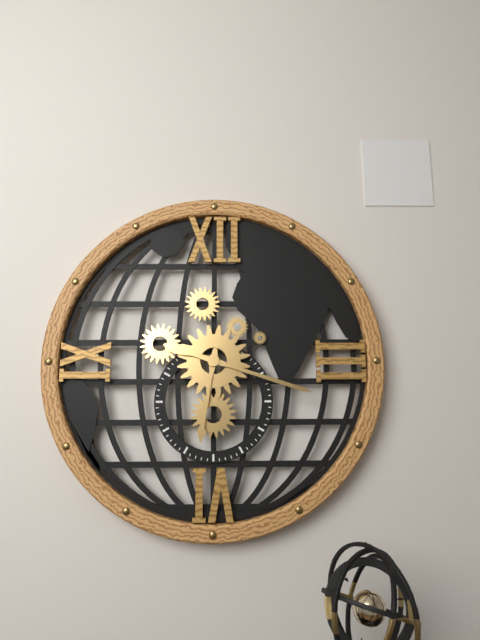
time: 6:18
